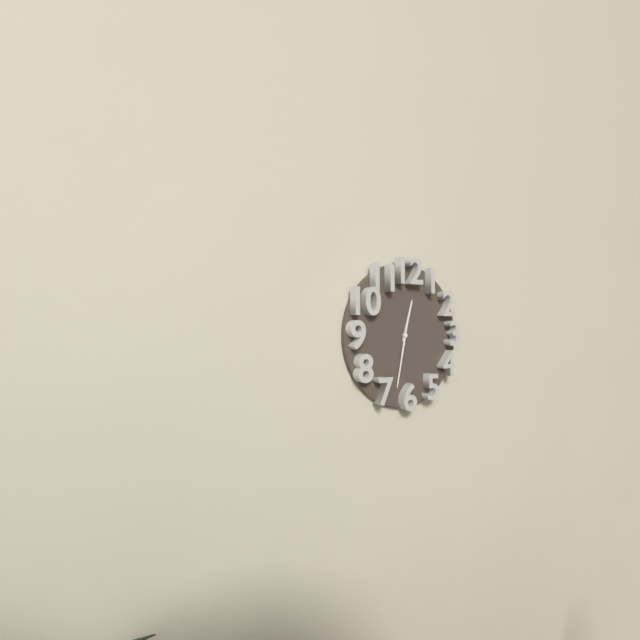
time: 12:32
